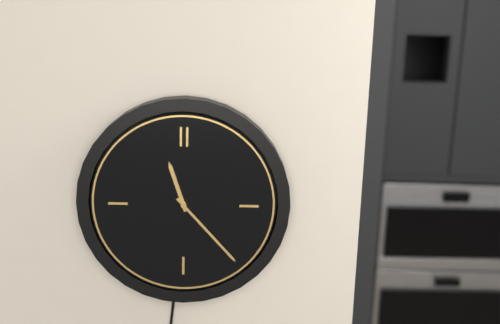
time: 11:23
